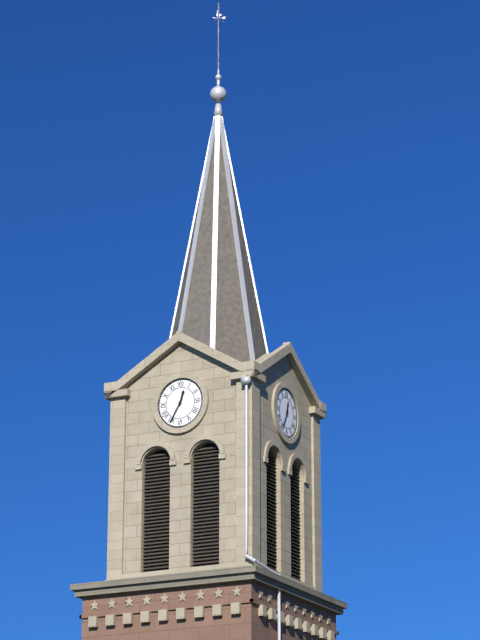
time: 12:35
